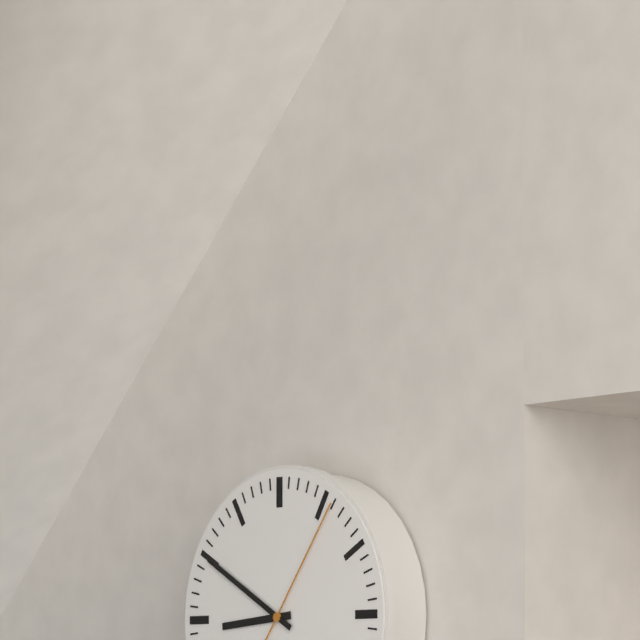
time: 8:50:06
